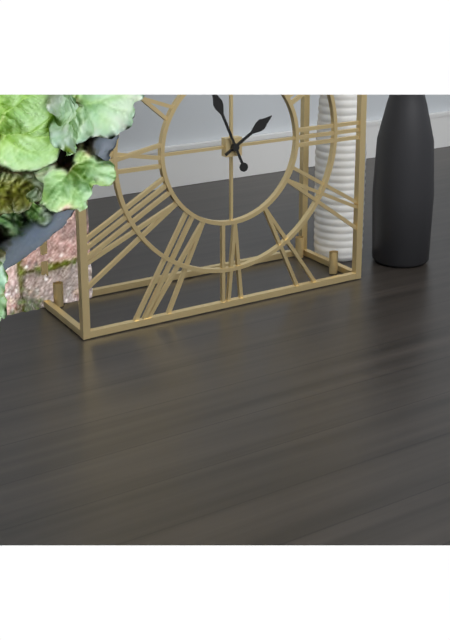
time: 1:56
